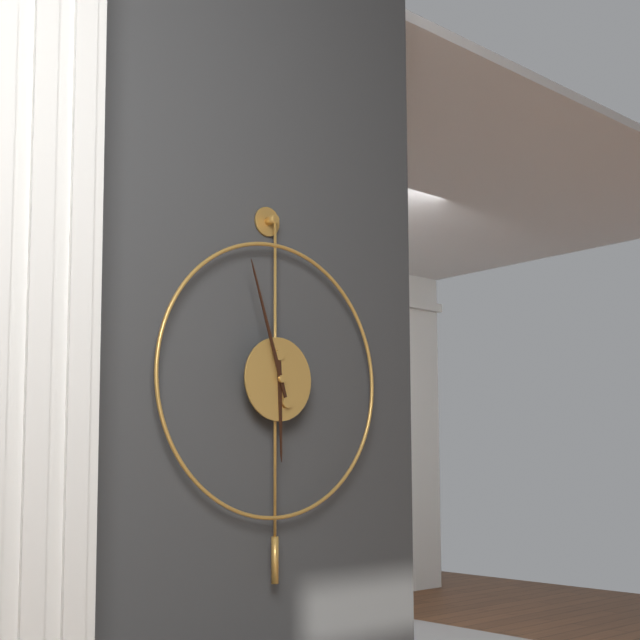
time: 5:57
